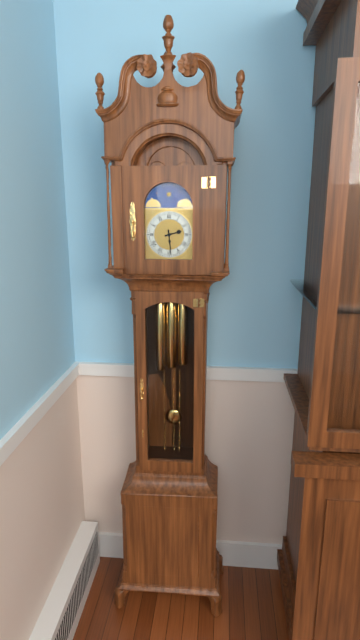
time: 2:29
